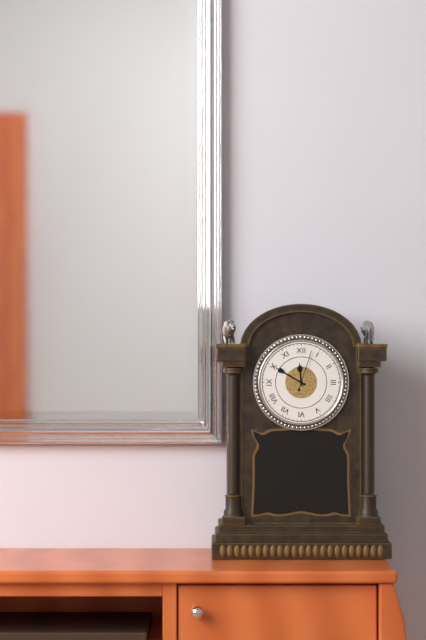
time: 11:50
